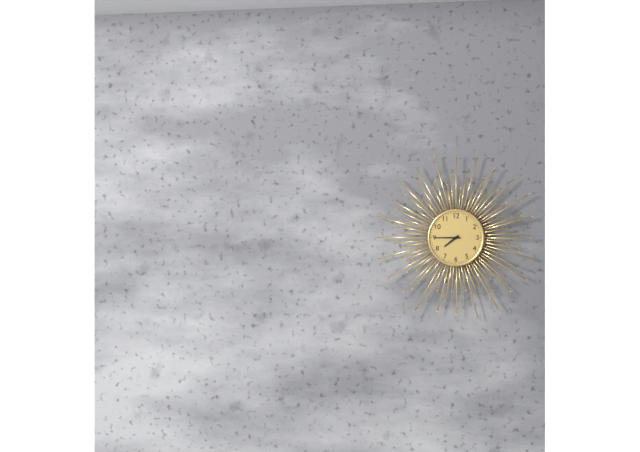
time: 7:45
